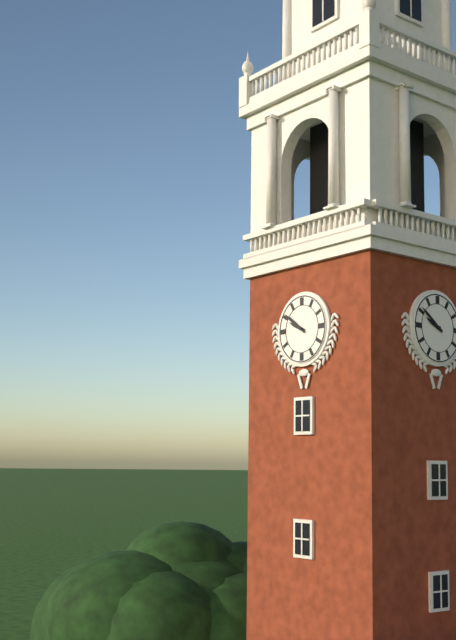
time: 9:51
